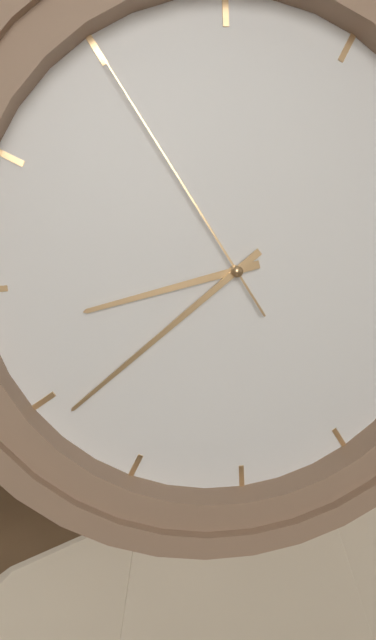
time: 8:39:55
